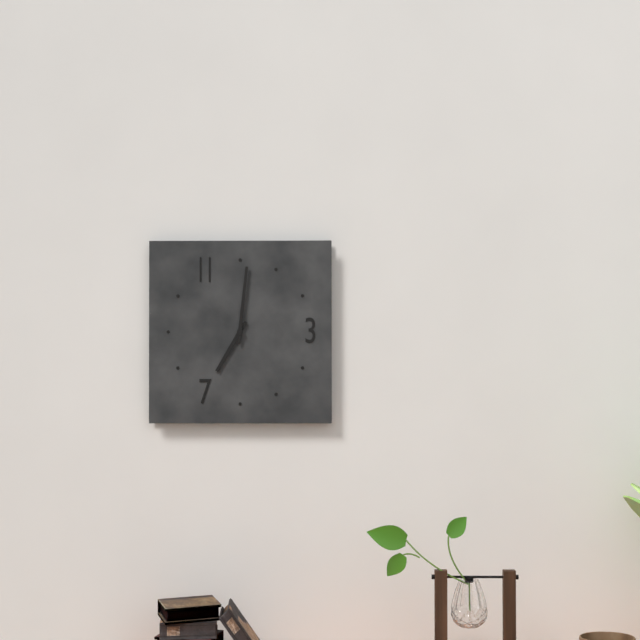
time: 7:01
